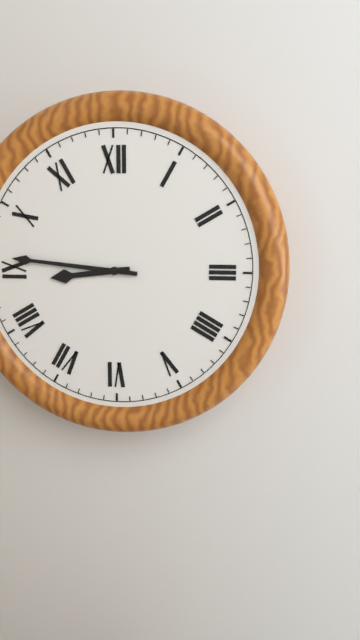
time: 8:46
